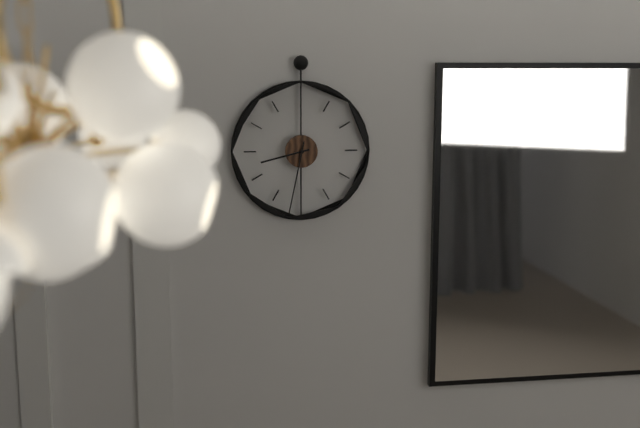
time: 8:32
